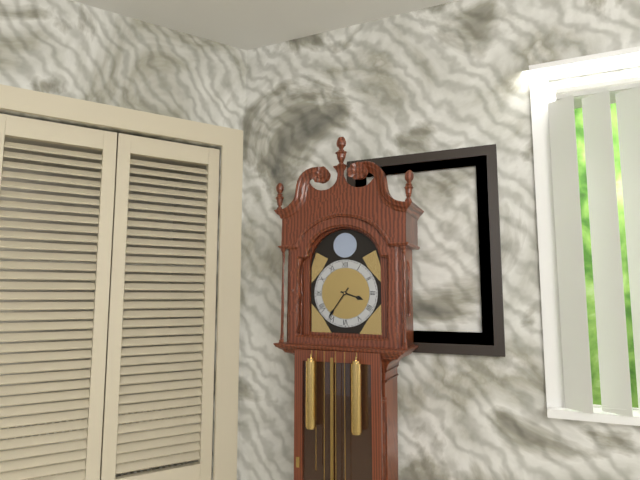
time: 3:36
